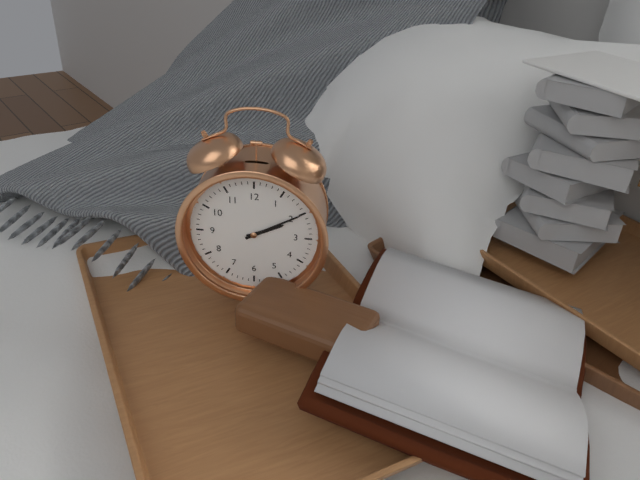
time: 2:10
